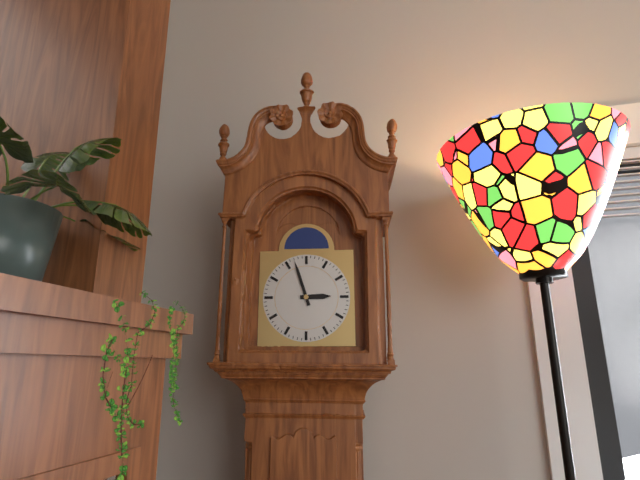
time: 2:57
